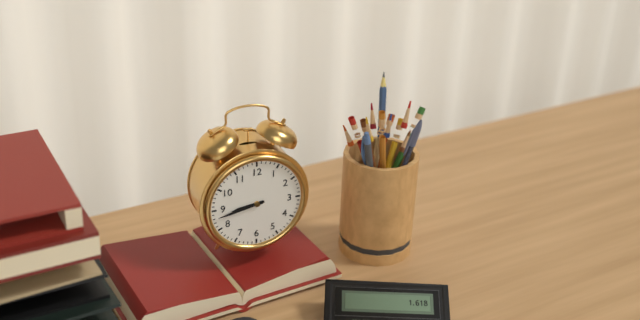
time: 8:43
